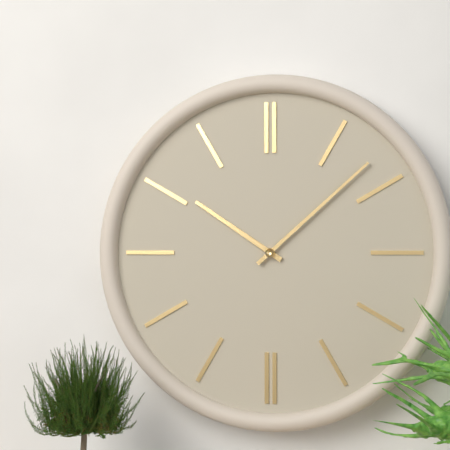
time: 10:08
